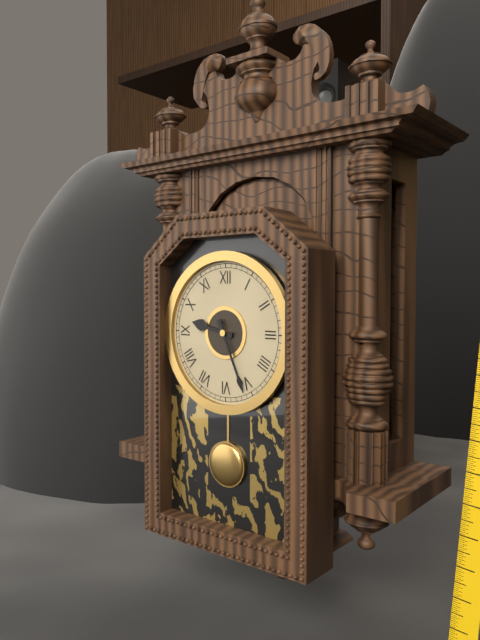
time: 9:26
